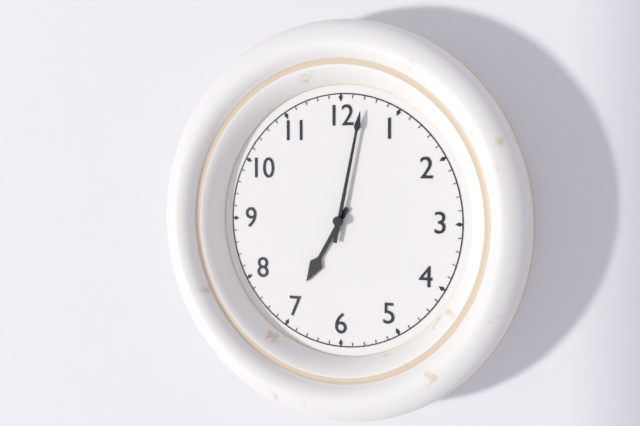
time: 7:02
